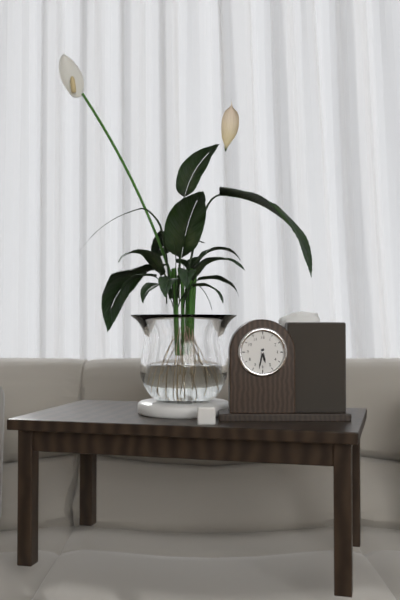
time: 5:32
